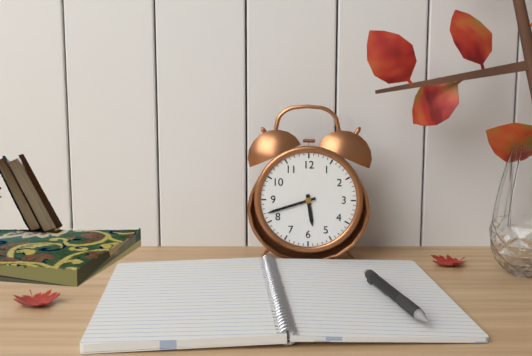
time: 5:42
